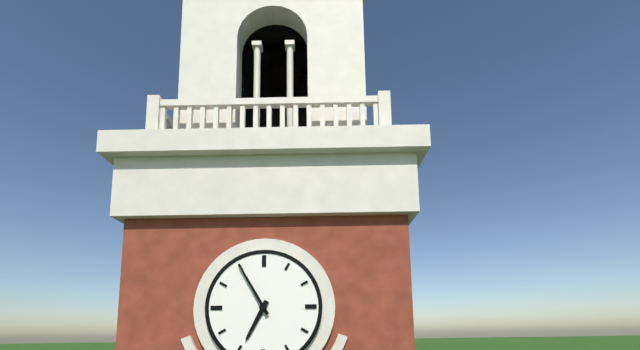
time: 6:55
